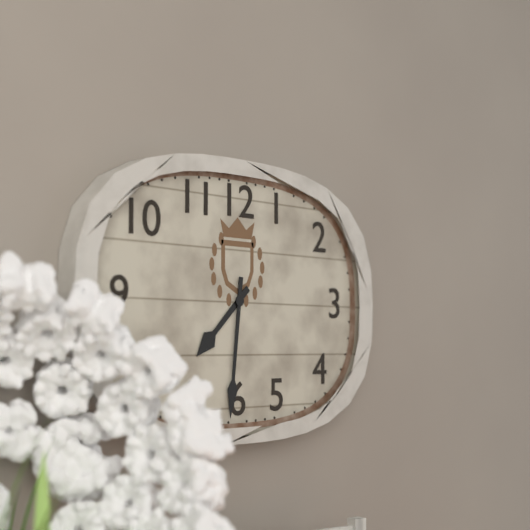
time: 7:31
